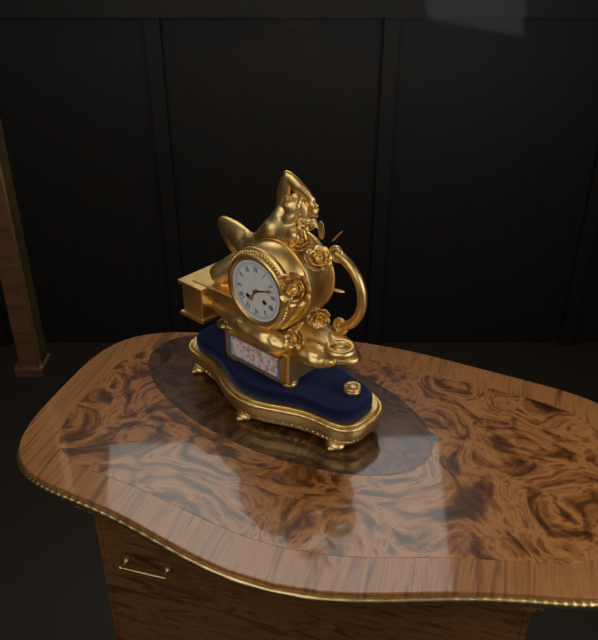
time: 7:12
